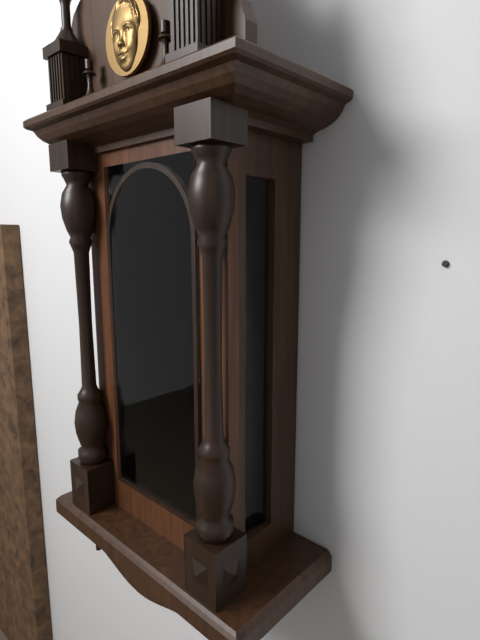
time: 8:28
